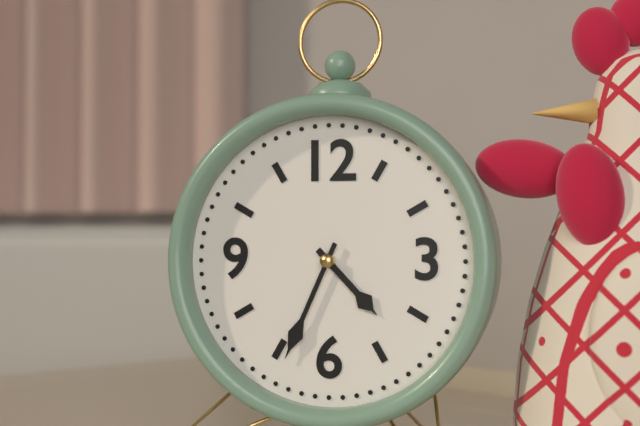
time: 4:34
